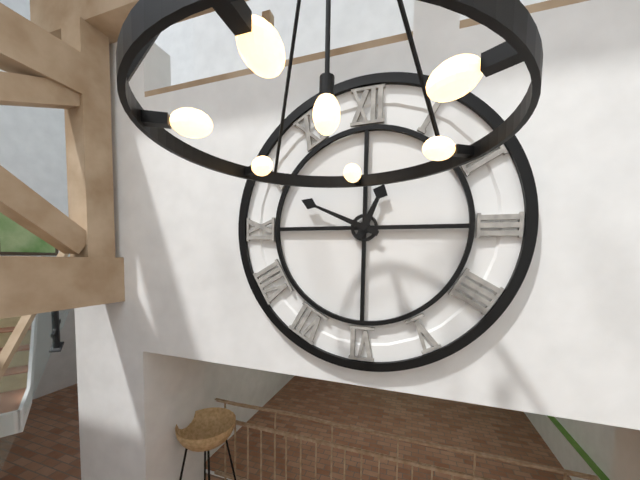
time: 12:49
